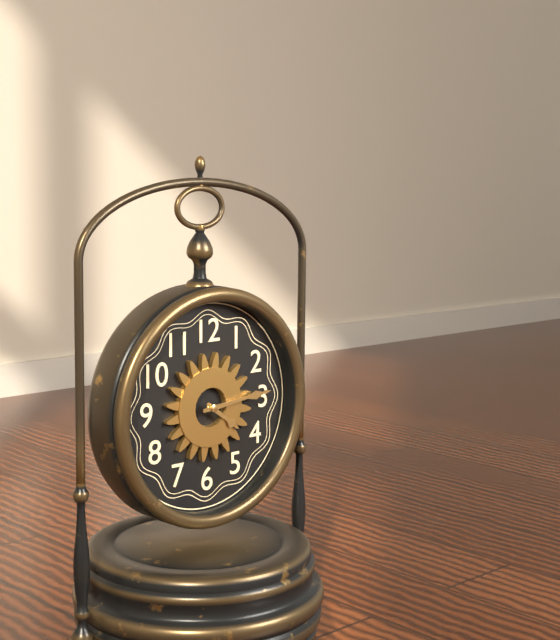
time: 4:14
